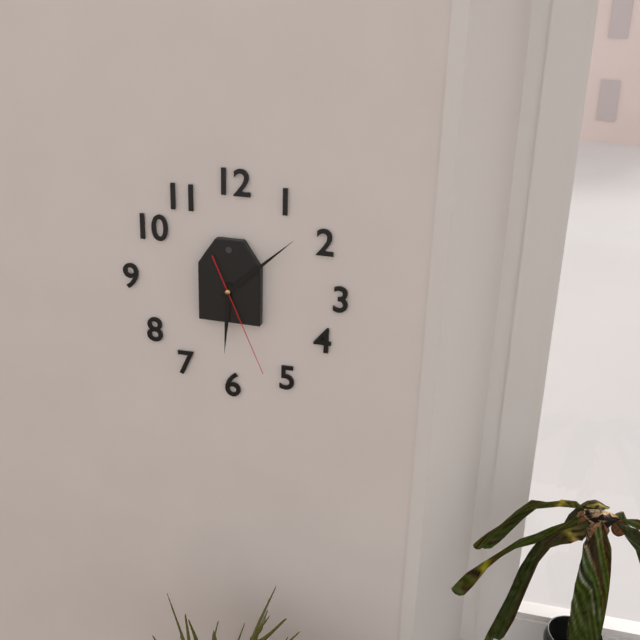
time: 6:08:26
